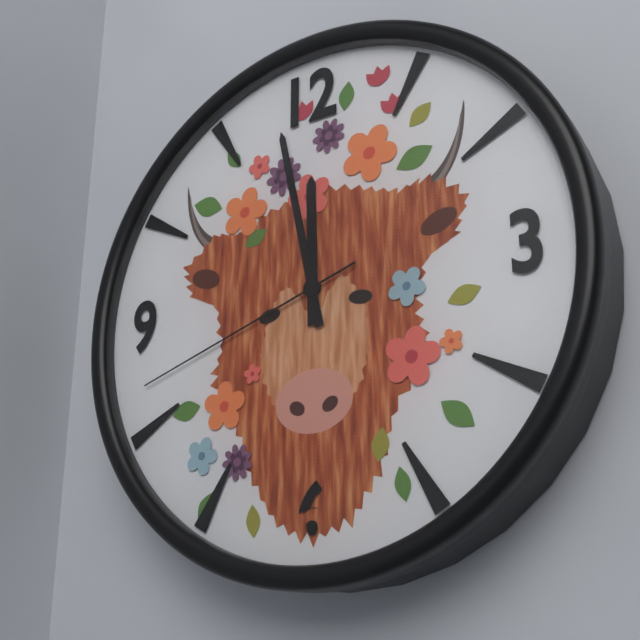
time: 11:58:42
